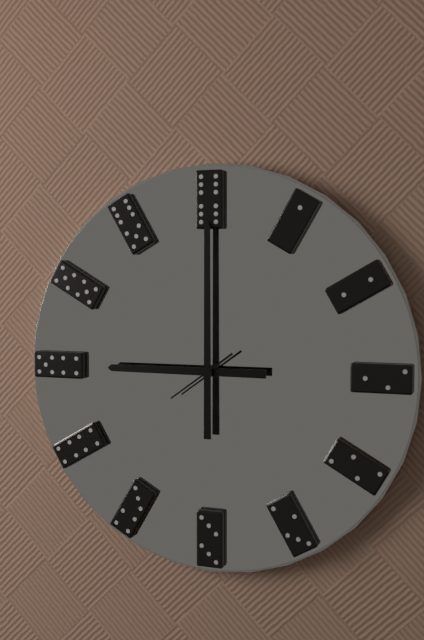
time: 9:00:39
